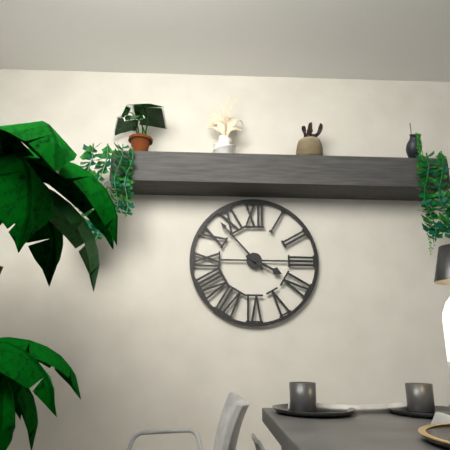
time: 3:53
